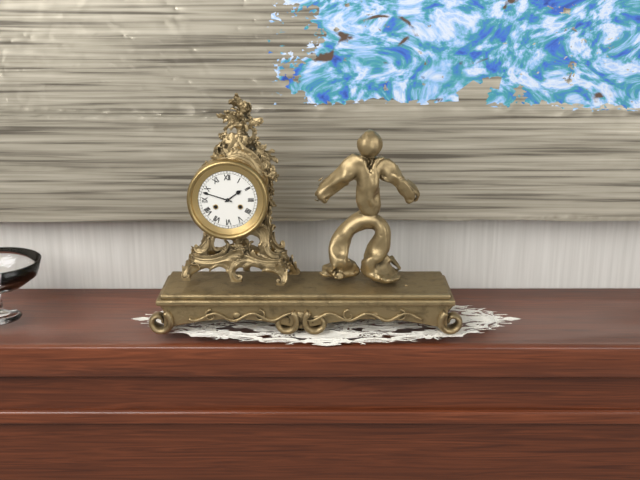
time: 1:48
